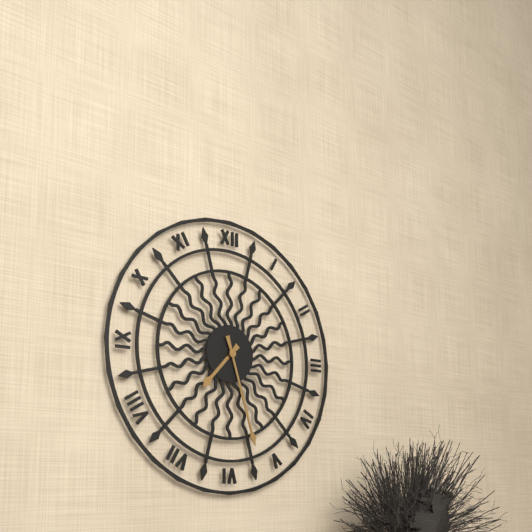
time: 7:27
